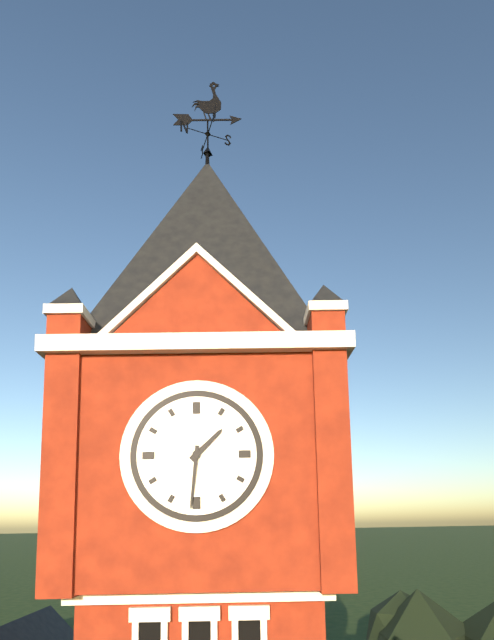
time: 1:31
